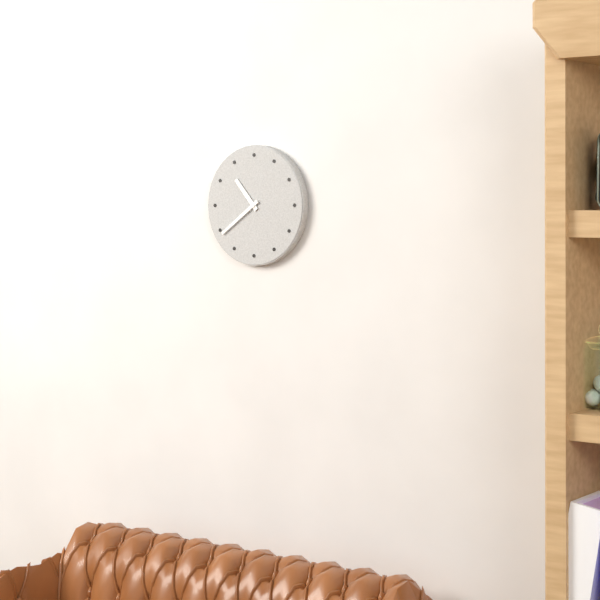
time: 10:39
